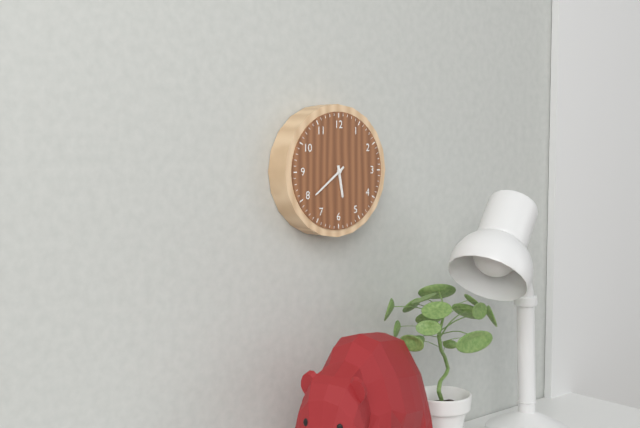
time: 5:39
